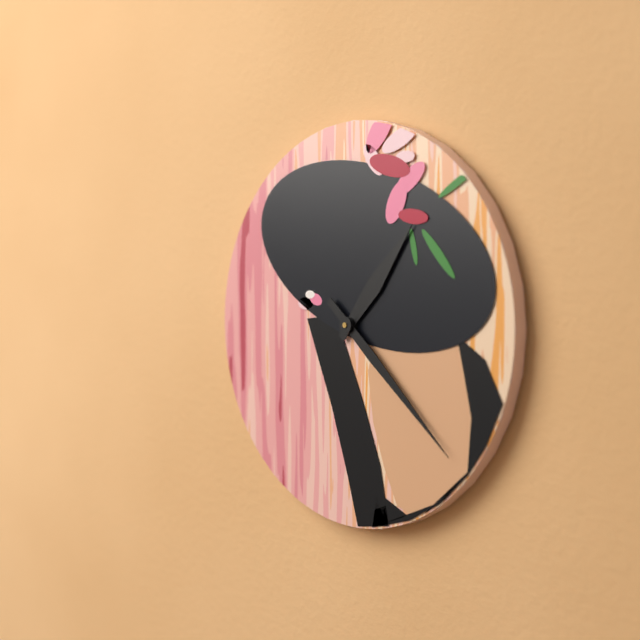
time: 1:22
